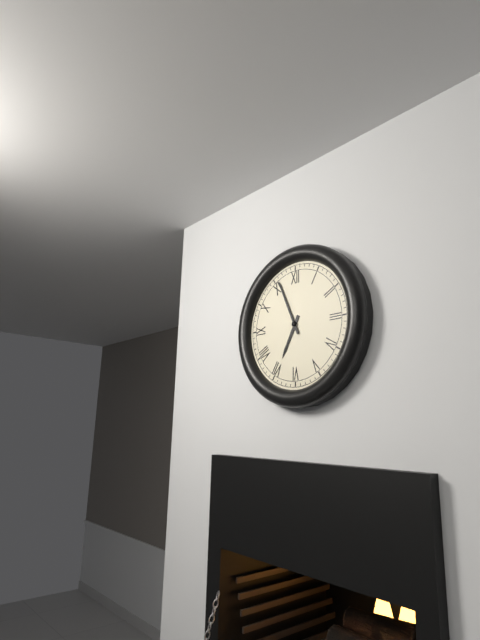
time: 6:56
